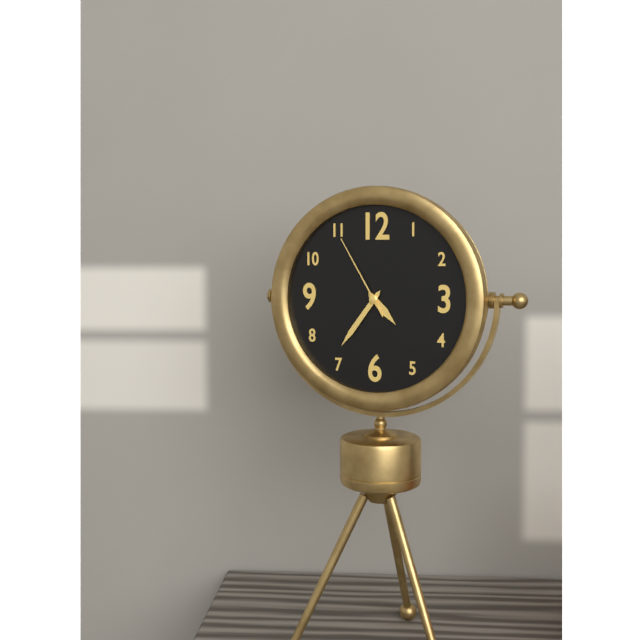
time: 4:36:55
